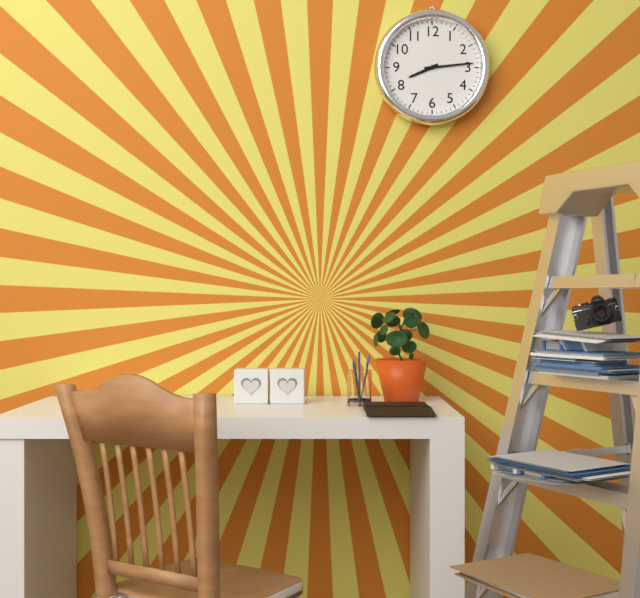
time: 8:14
